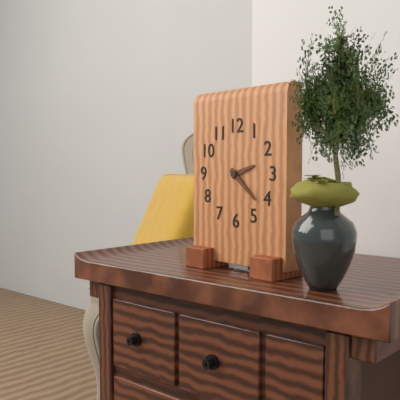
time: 2:22
